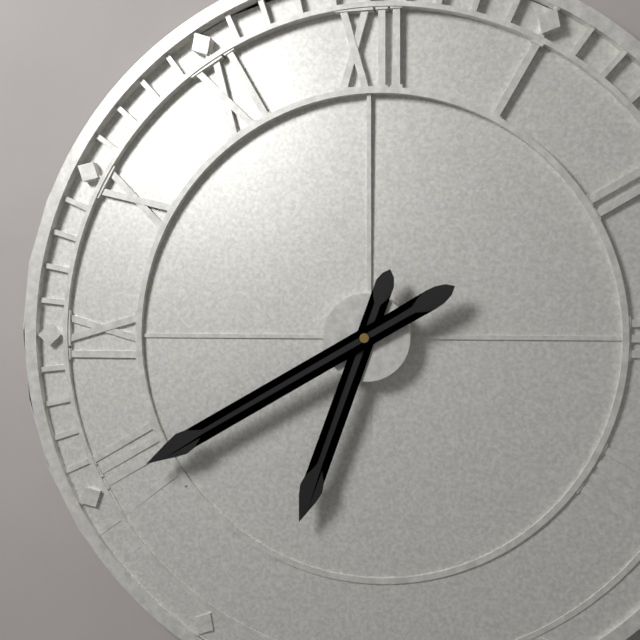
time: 6:40
